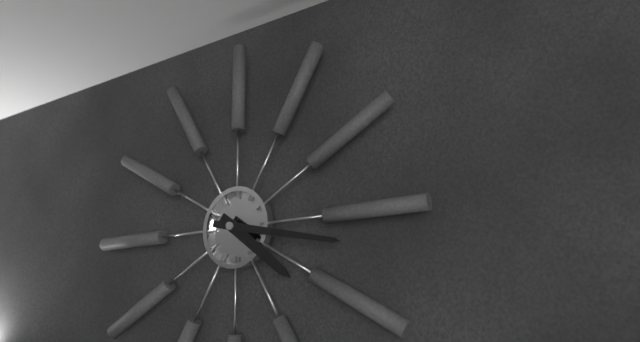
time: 4:17
